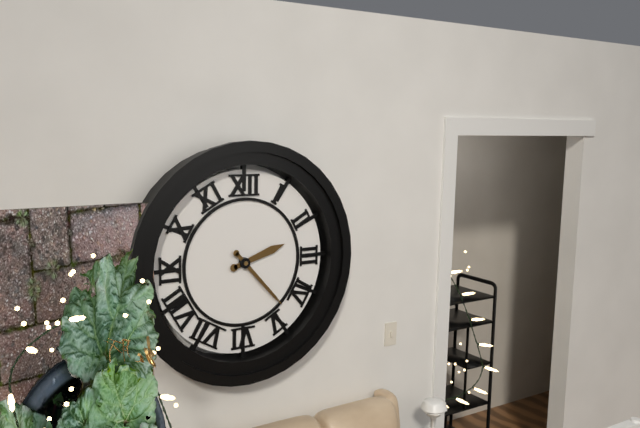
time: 2:23
